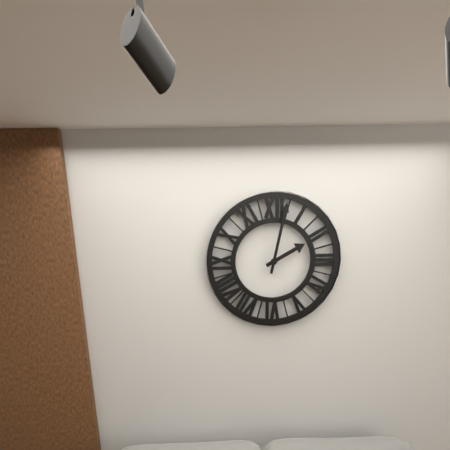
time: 2:02
